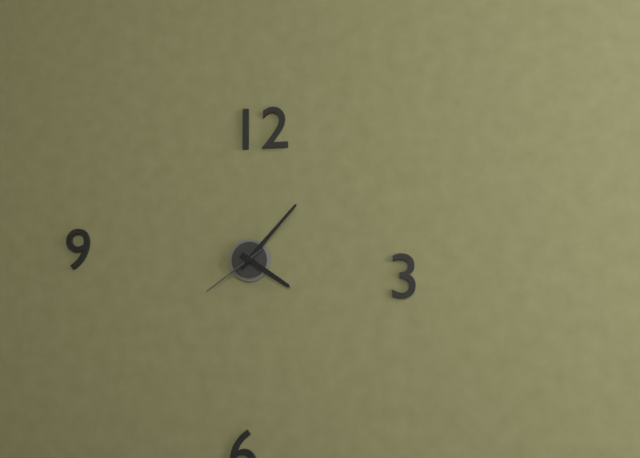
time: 4:07:39
